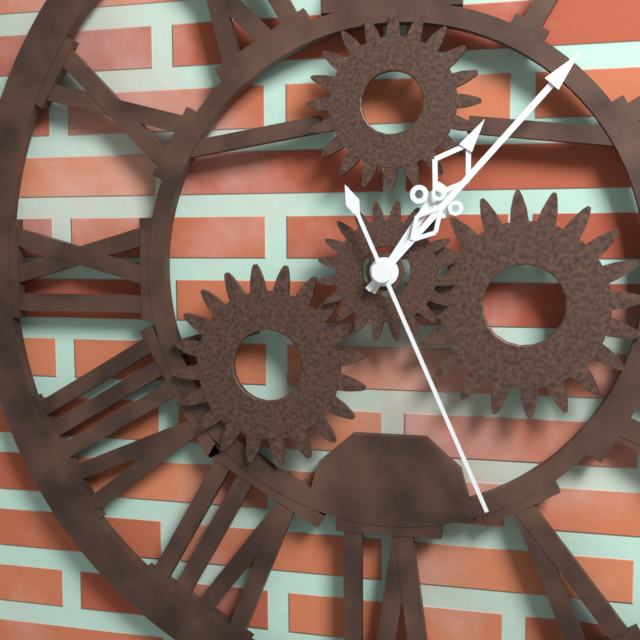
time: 1:07:26
